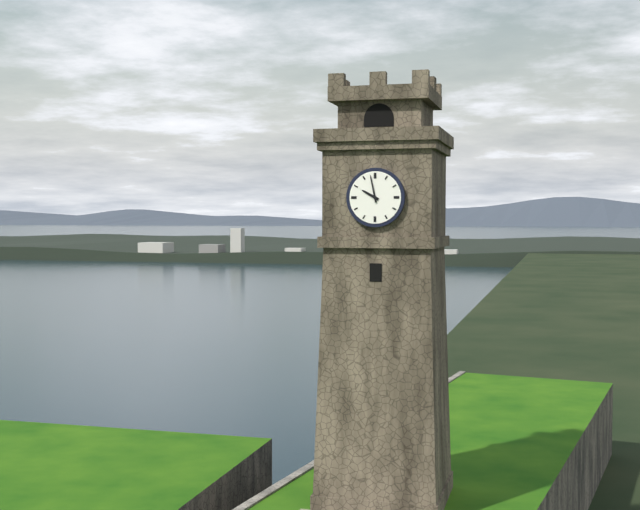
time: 9:58
